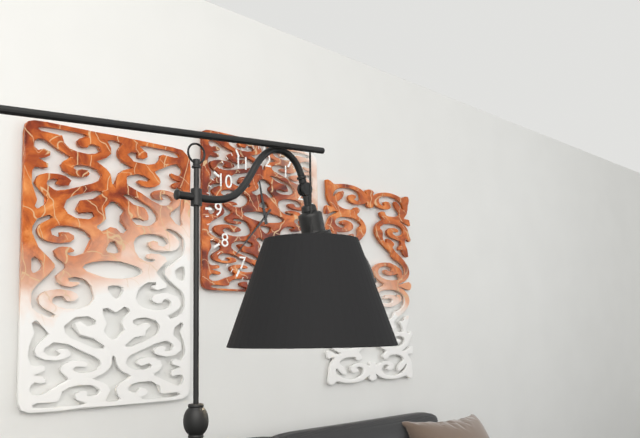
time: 11:37
